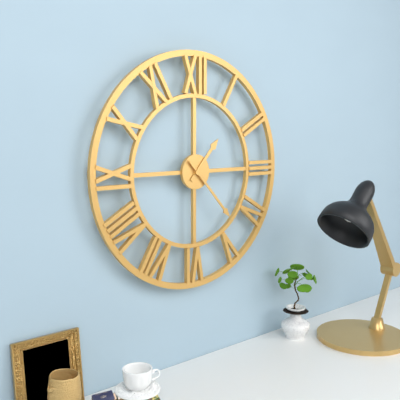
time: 1:23
